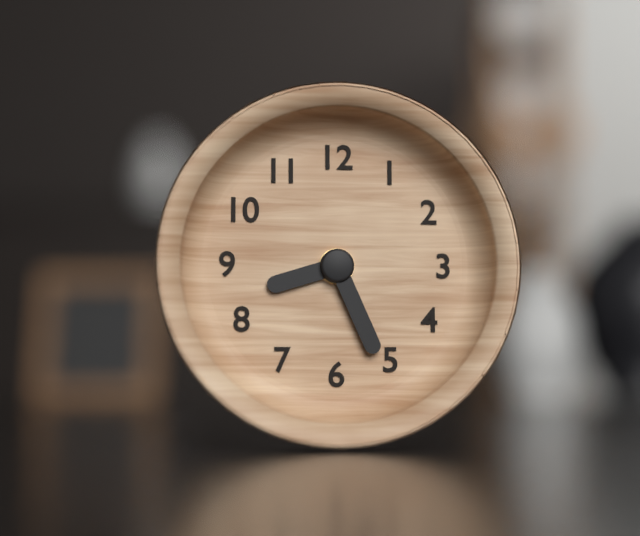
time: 8:26
